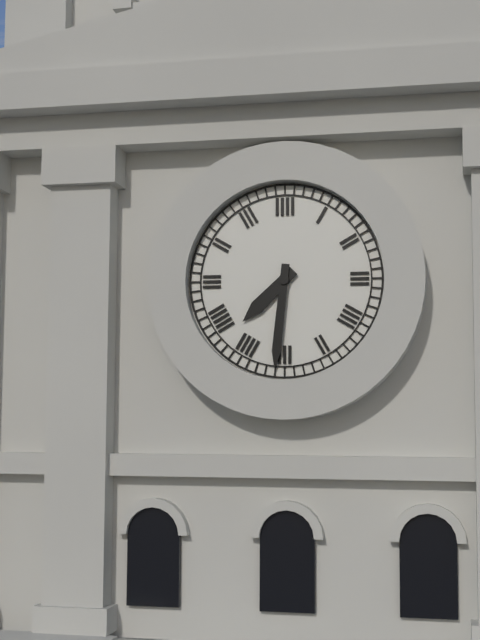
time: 7:31
